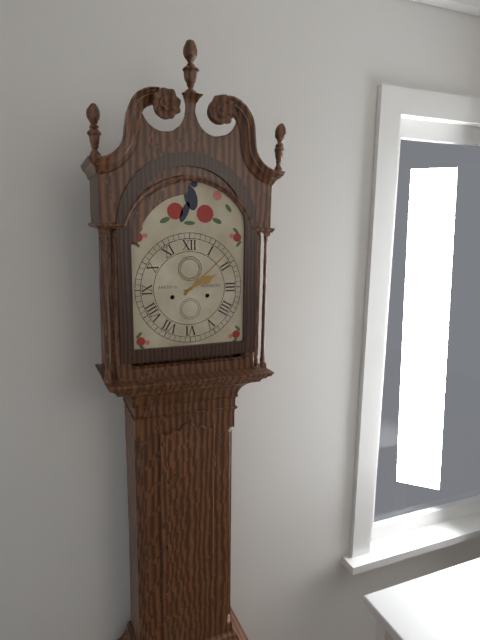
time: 2:08
